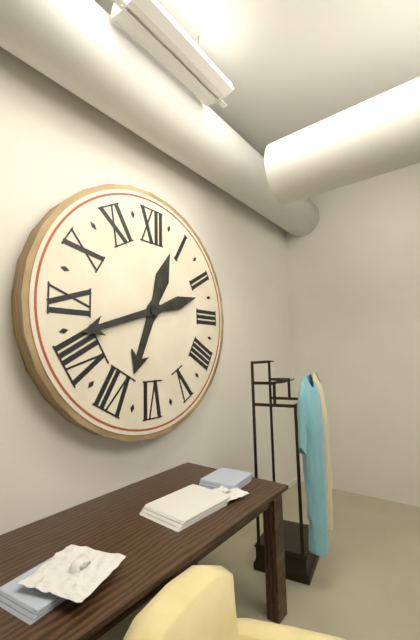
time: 6:42
